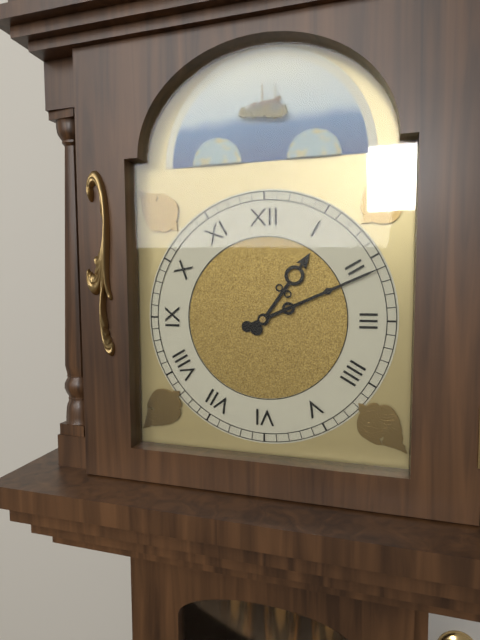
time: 1:11
